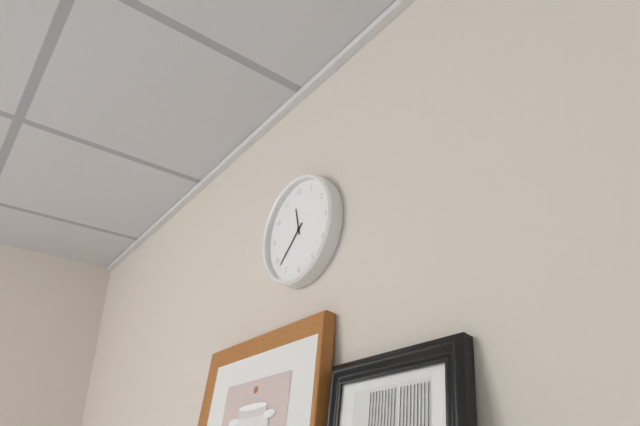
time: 11:38
